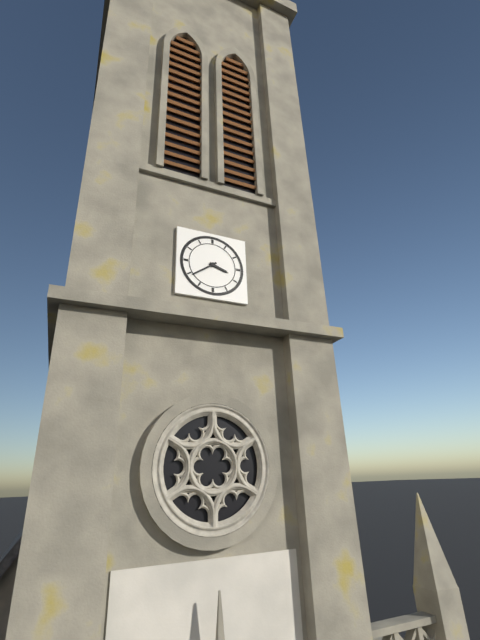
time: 3:39
